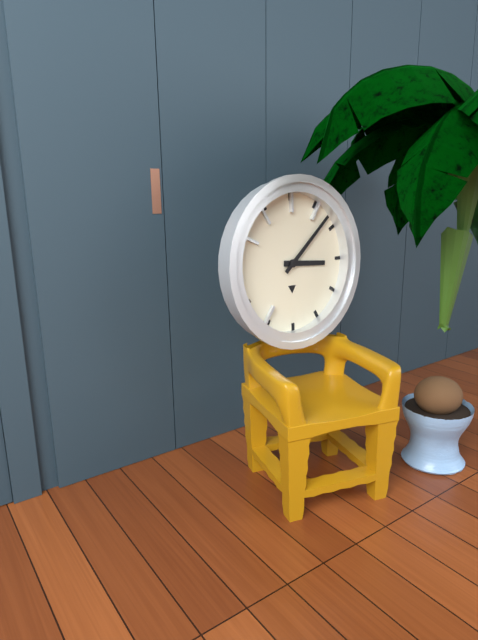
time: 3:08
